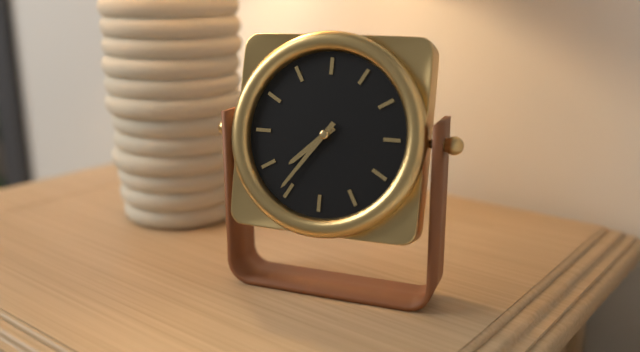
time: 7:36
